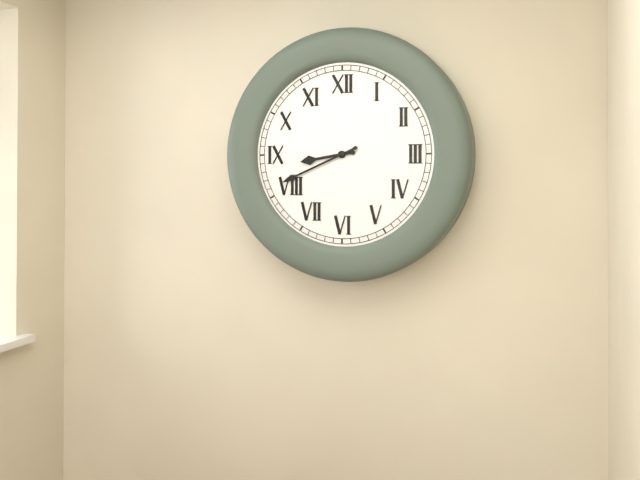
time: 8:41
